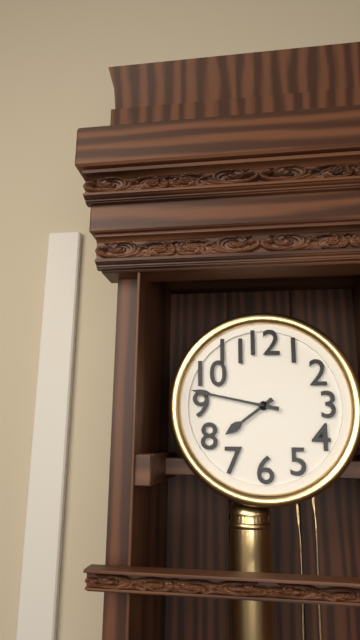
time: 7:47
